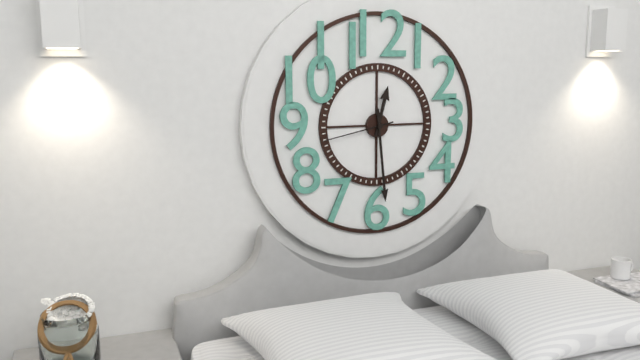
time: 12:29:43
